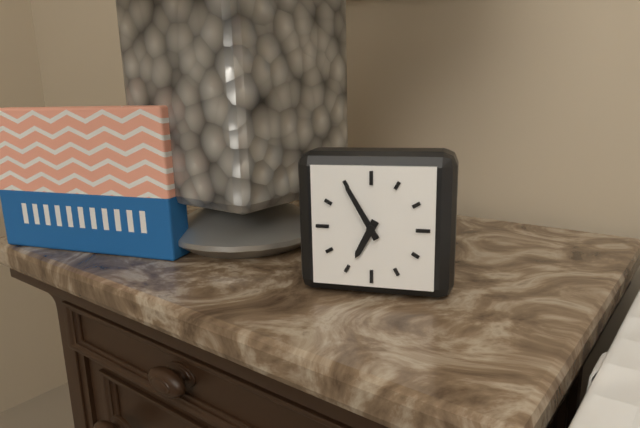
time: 6:55
